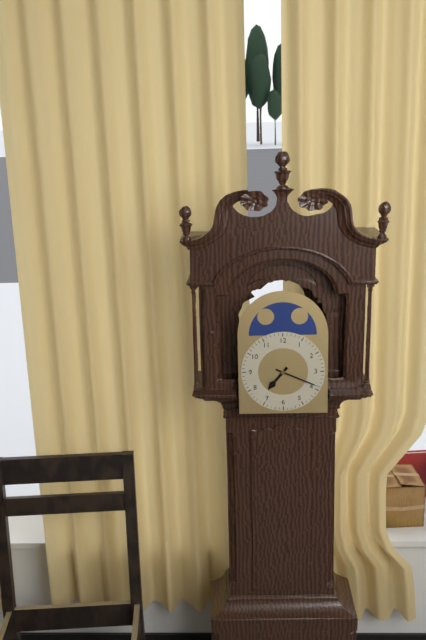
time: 7:19
